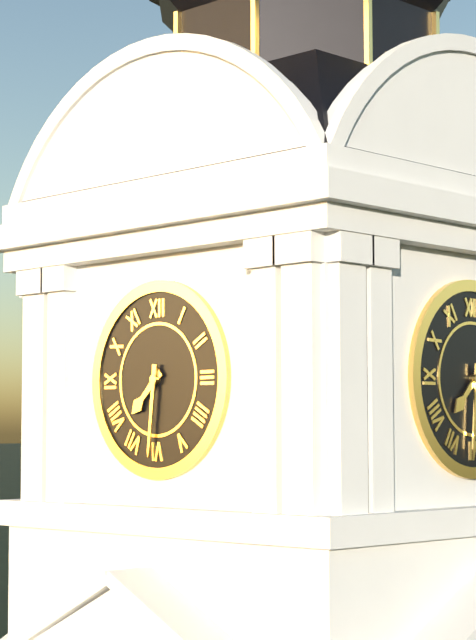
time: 7:31
